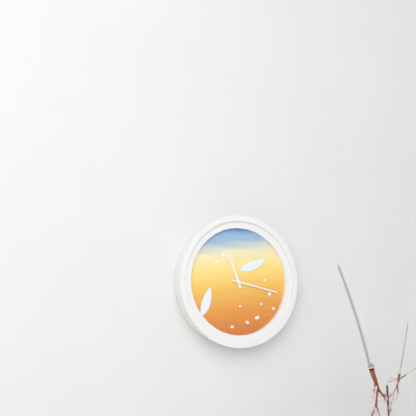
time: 11:17
